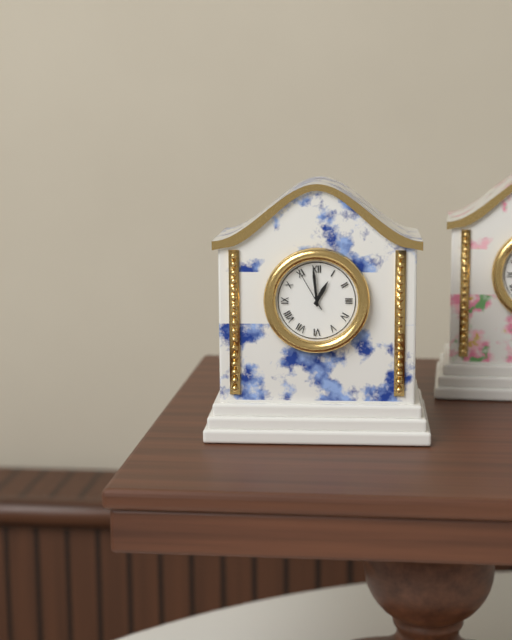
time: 12:59
